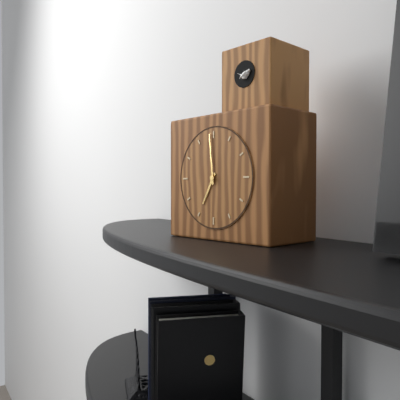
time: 6:59
